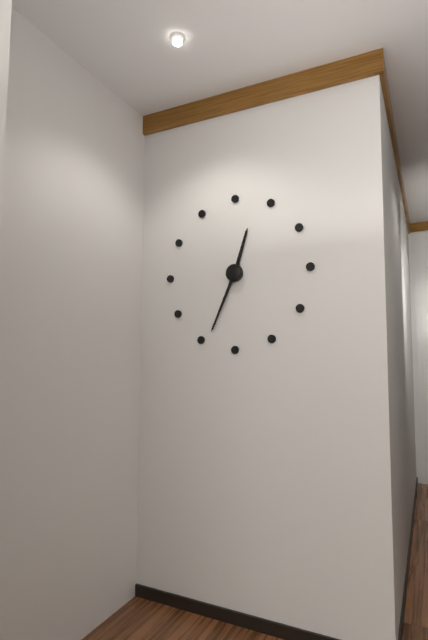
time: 12:34
